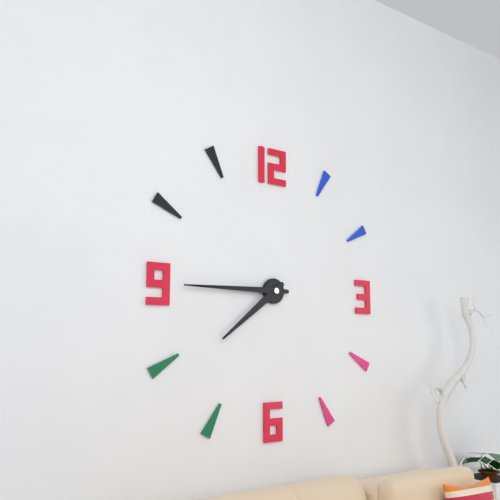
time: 7:45
